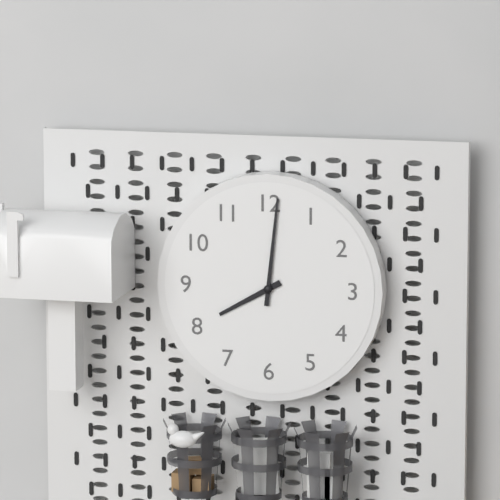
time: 8:01
